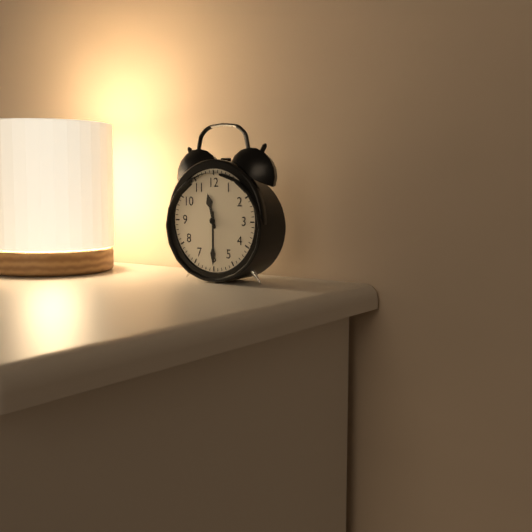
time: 11:30
